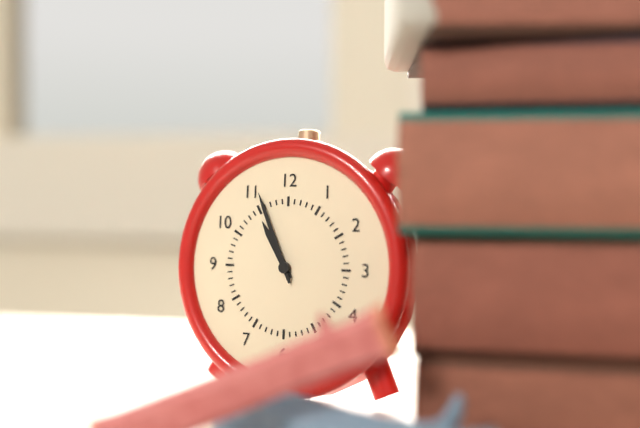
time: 10:56
